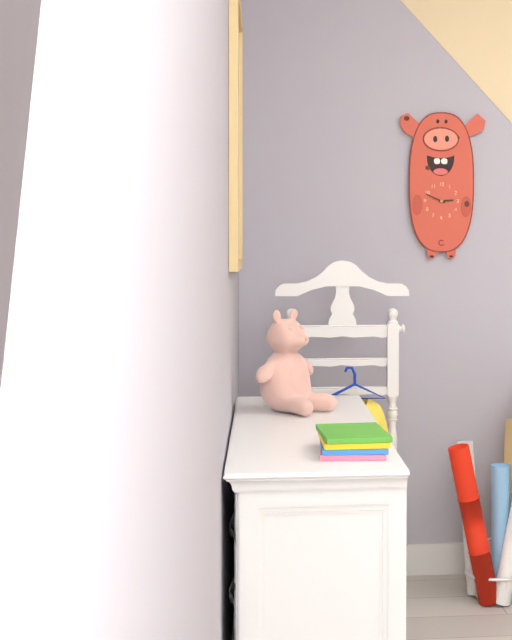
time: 2:49
